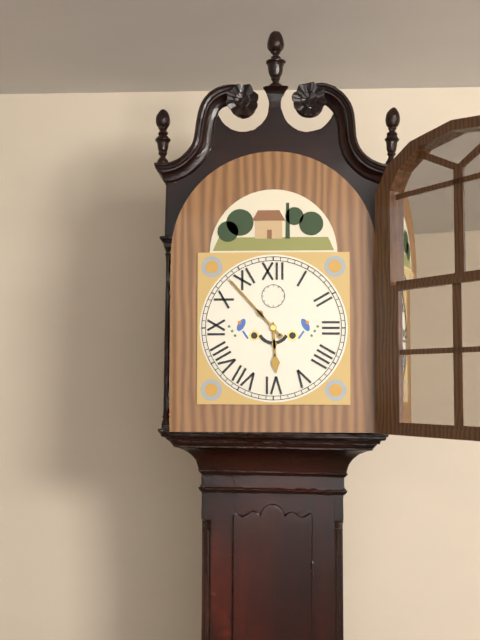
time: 5:53
